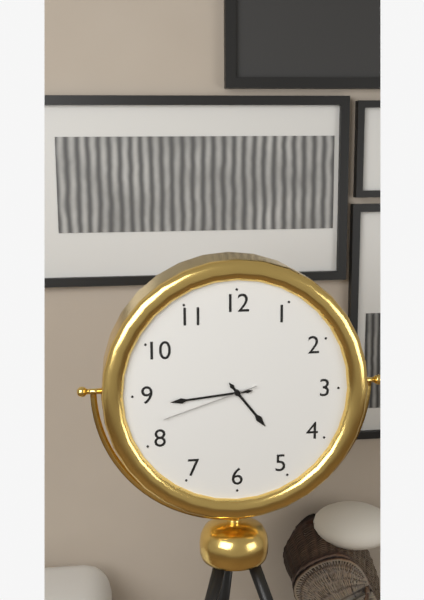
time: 4:44:42
